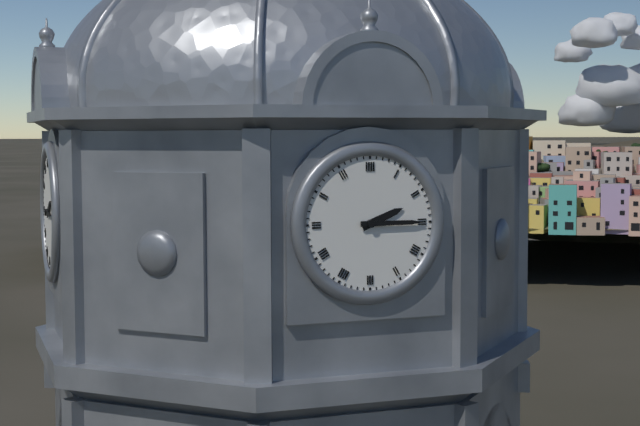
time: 2:15
